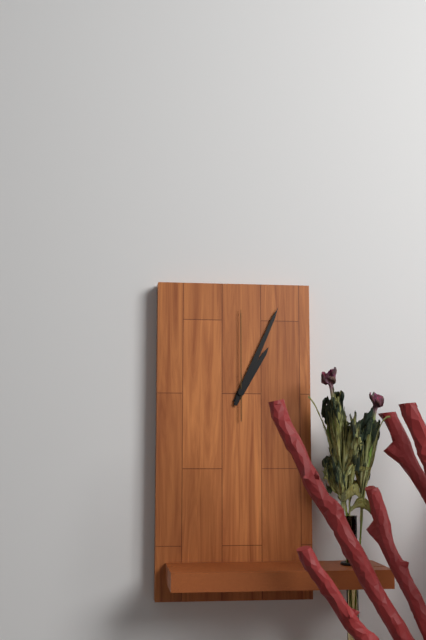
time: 1:04:00
